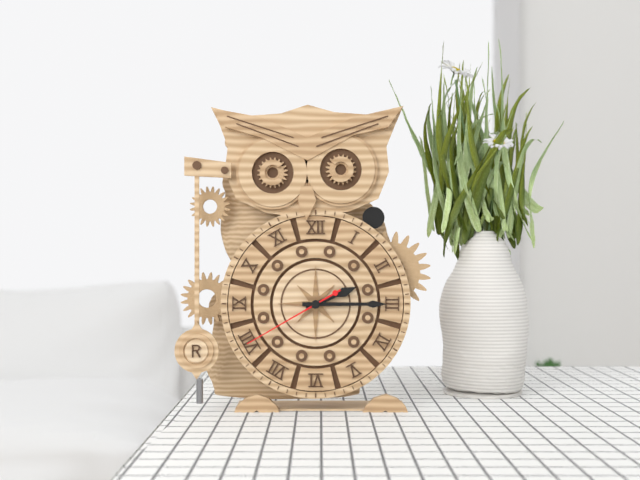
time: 2:15:40
